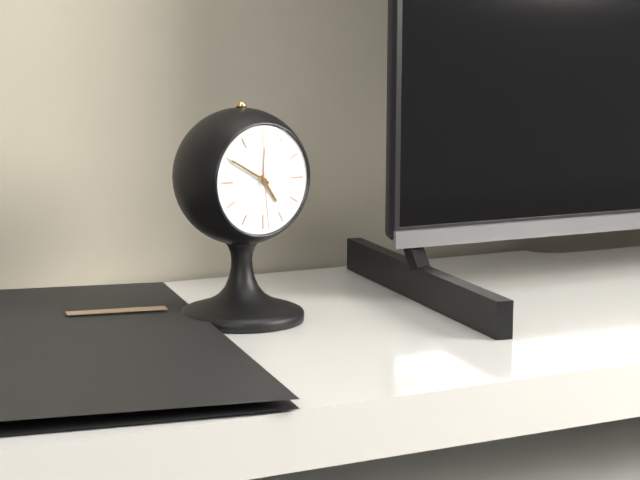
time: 4:50:29
